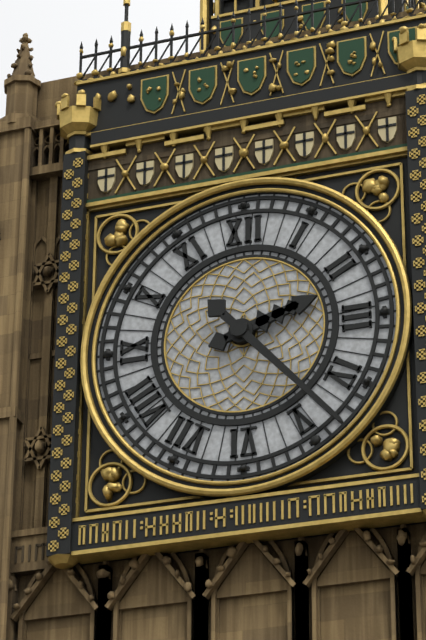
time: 2:23
